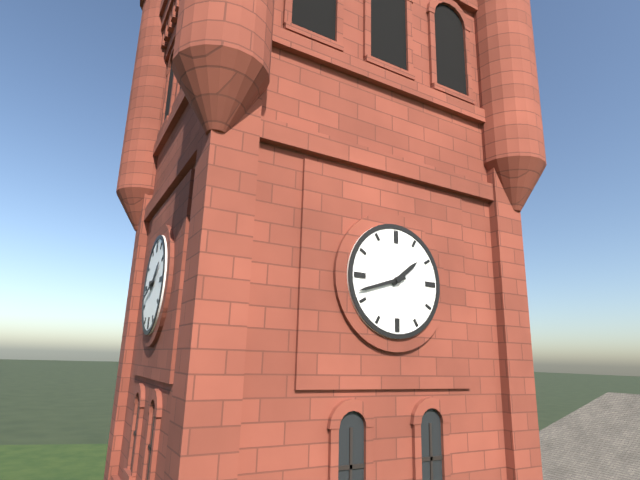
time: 1:42
